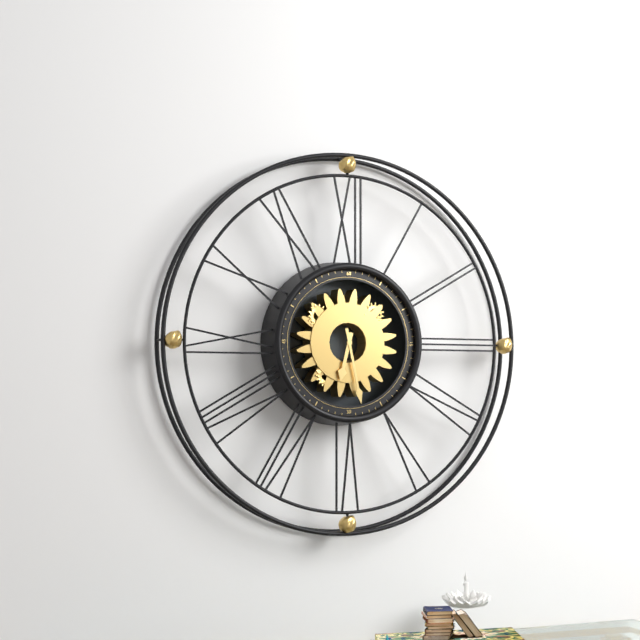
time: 6:28
